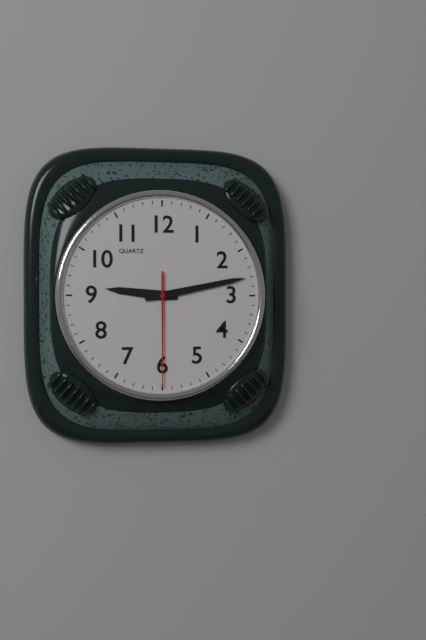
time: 9:13:30
